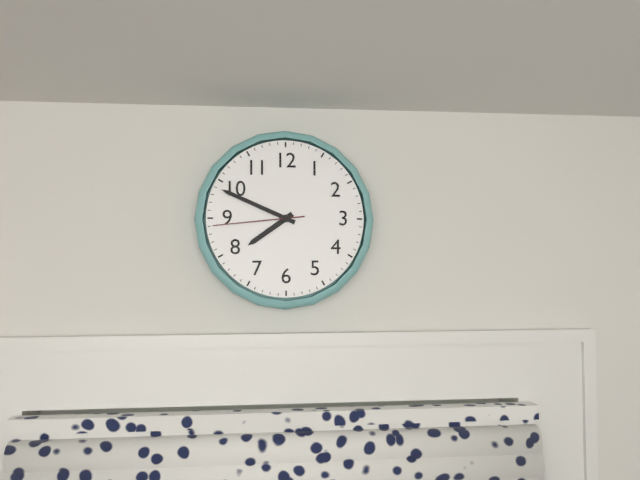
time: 7:49:44
